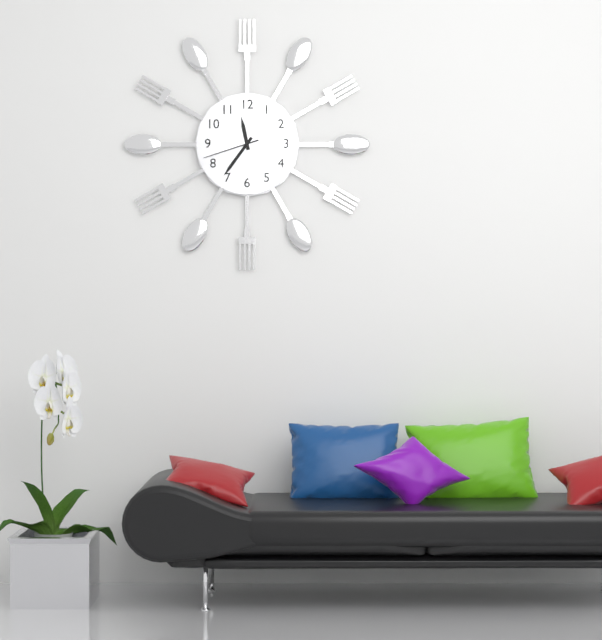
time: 11:36:42
